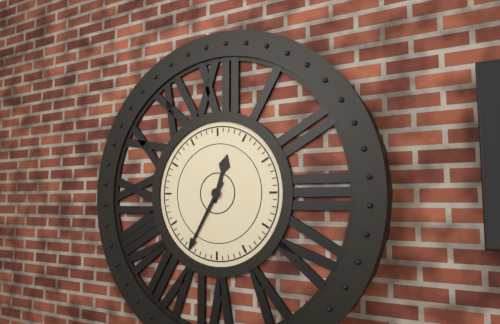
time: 12:35
